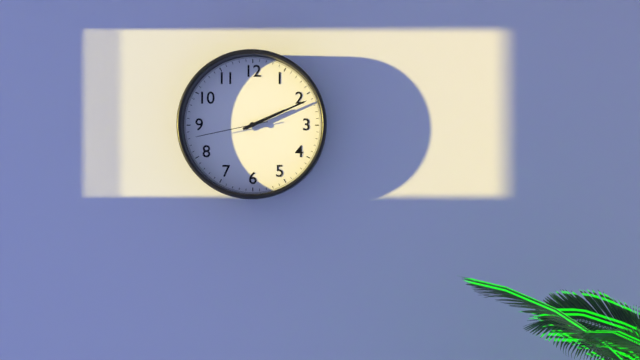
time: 2:11:43
